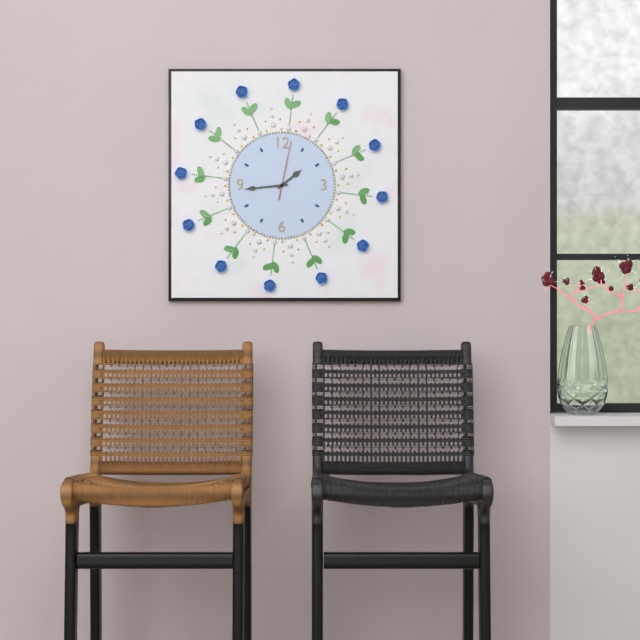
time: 1:44:02
